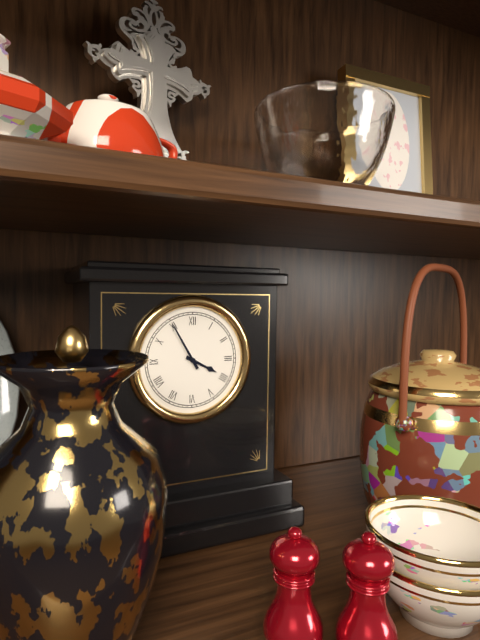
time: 3:55
